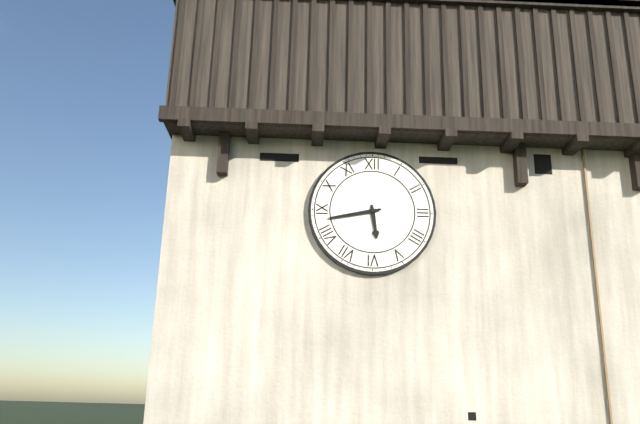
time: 5:43
